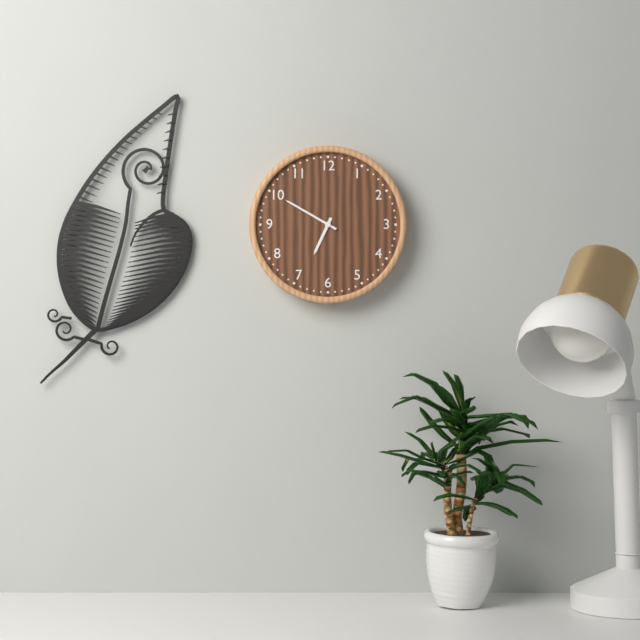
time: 6:50
